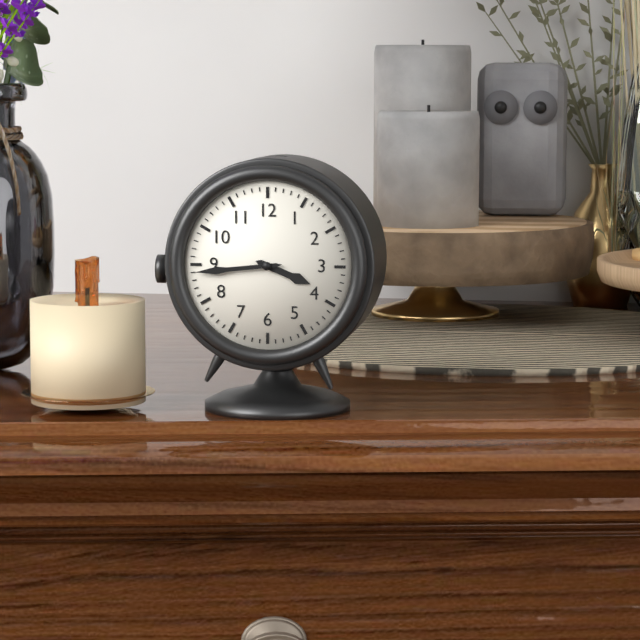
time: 3:44
